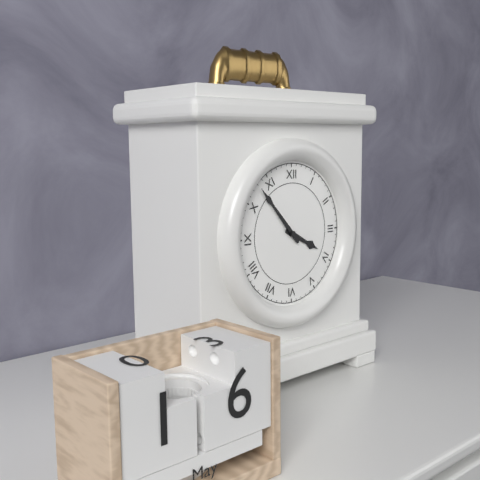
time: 3:53
